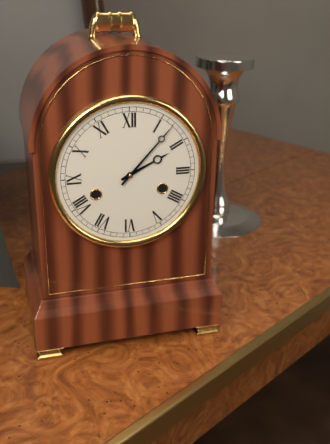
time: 2:07
